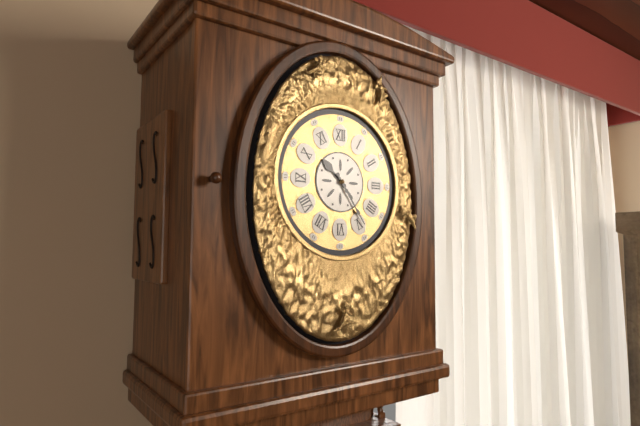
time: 10:24
